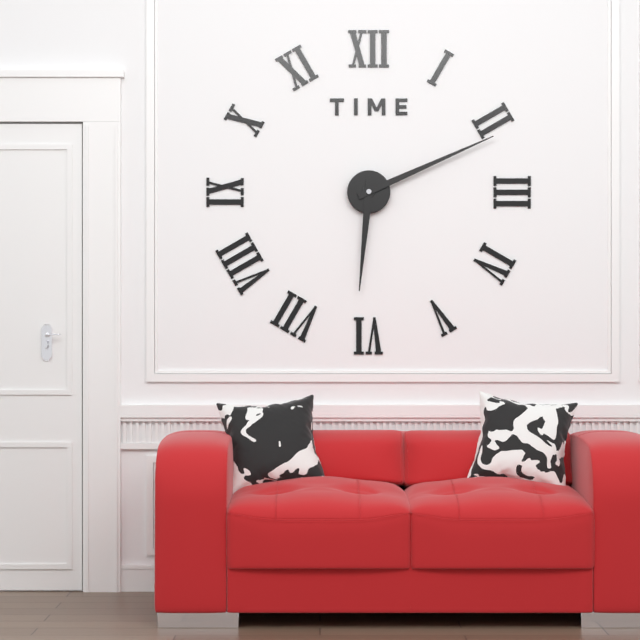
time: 6:11
